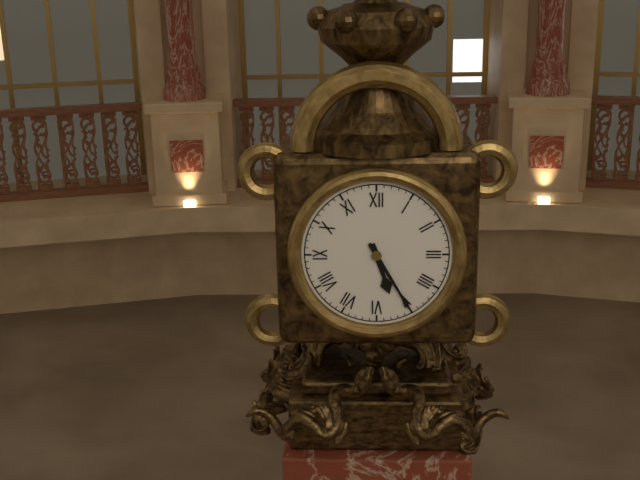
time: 5:25
